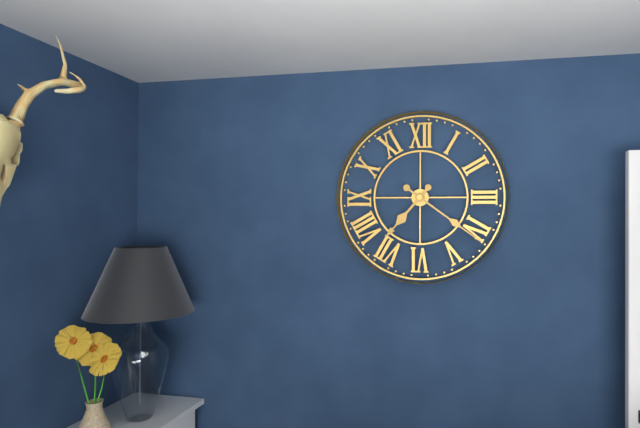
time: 7:21
